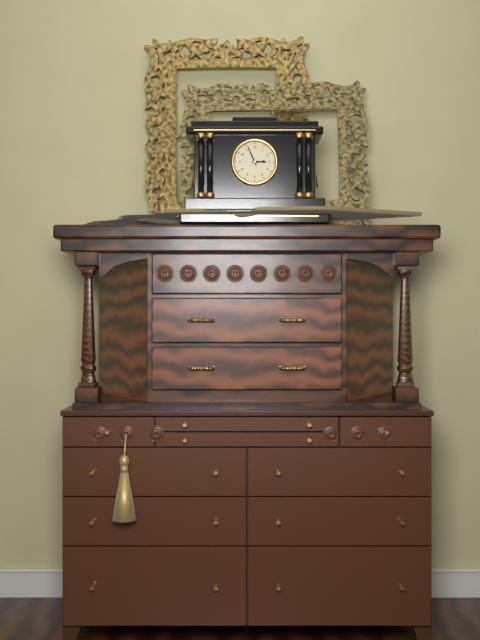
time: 2:56
